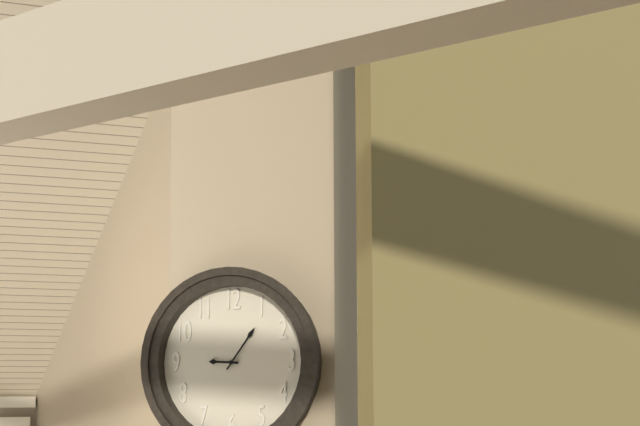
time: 9:06
